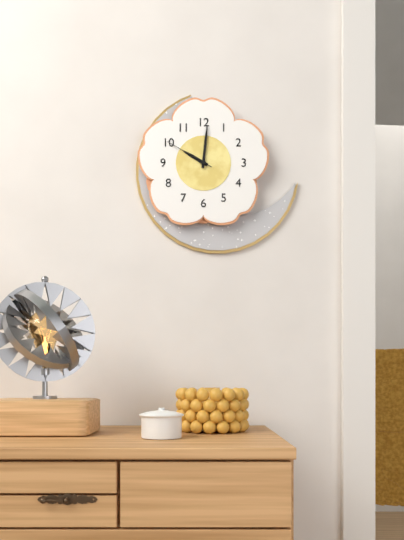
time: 10:01:50
